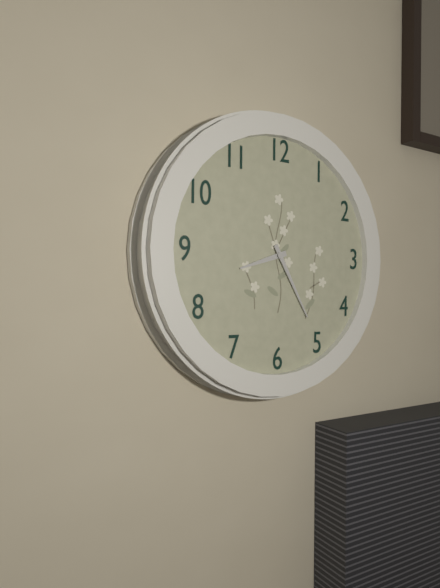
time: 8:25
